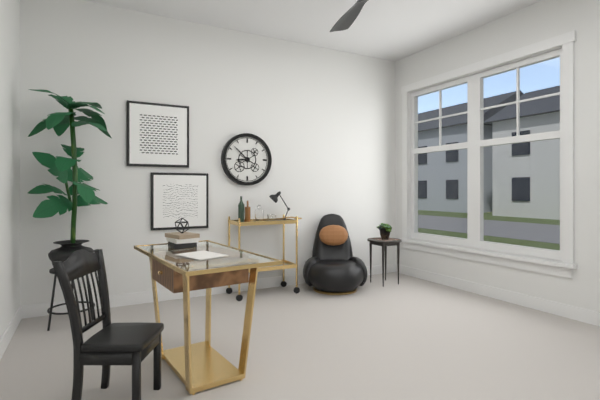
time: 8:52
